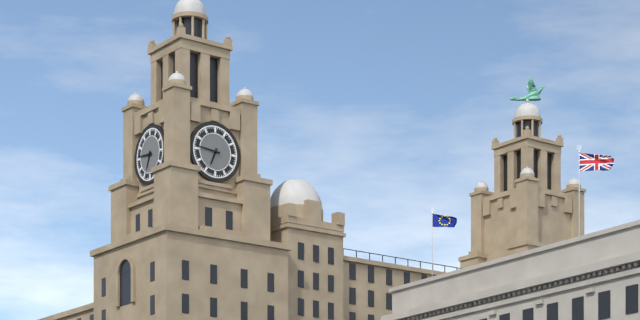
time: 6:46
